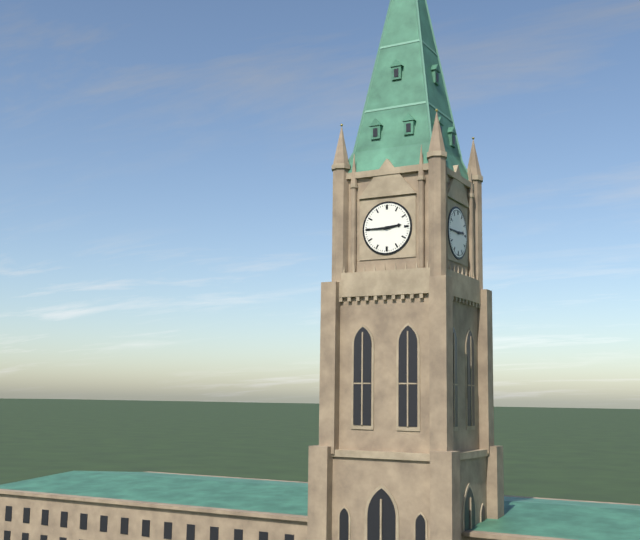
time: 2:45
